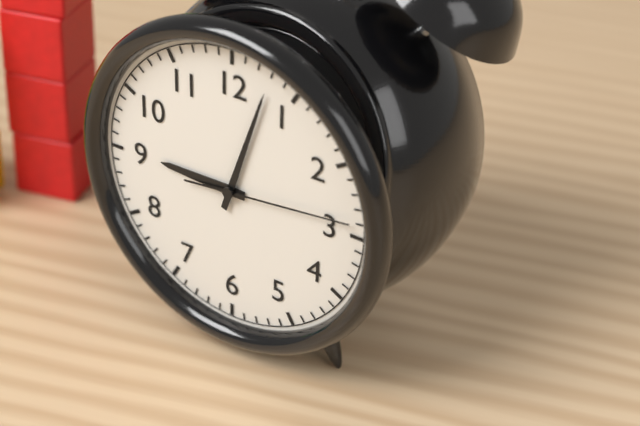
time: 9:03:14
